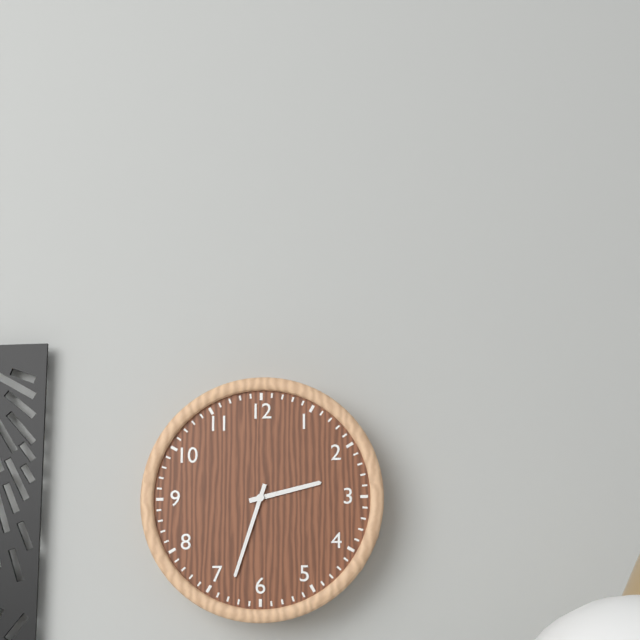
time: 2:33
